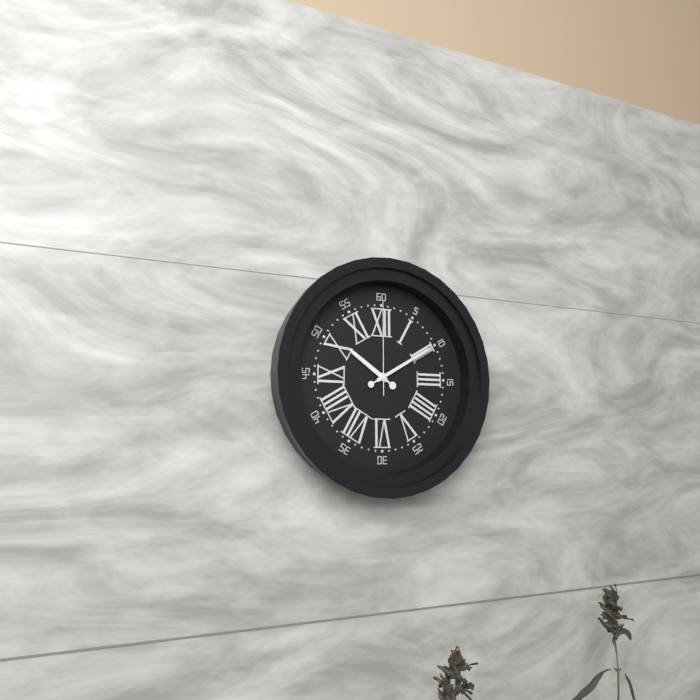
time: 10:10:00
